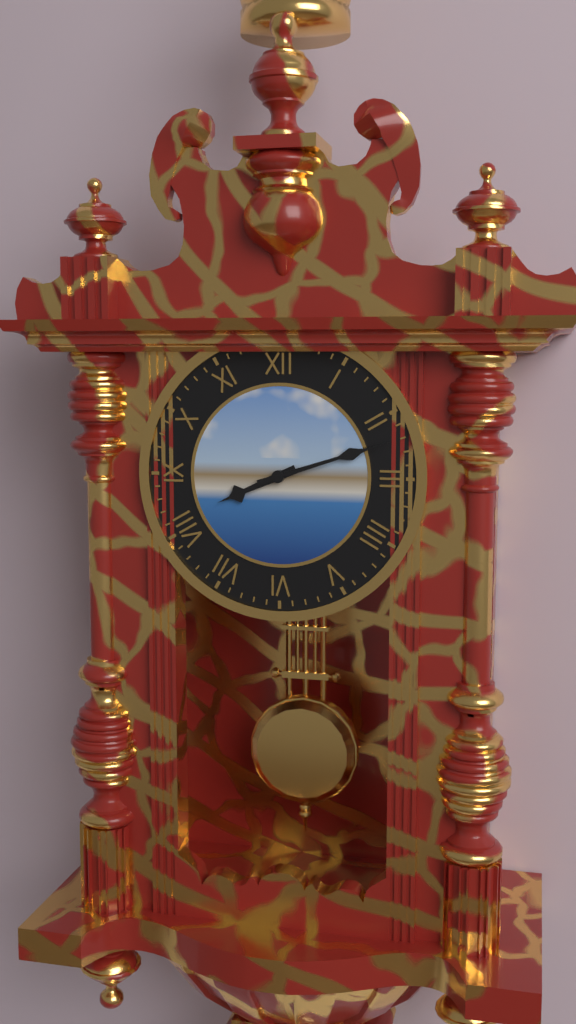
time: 8:12
